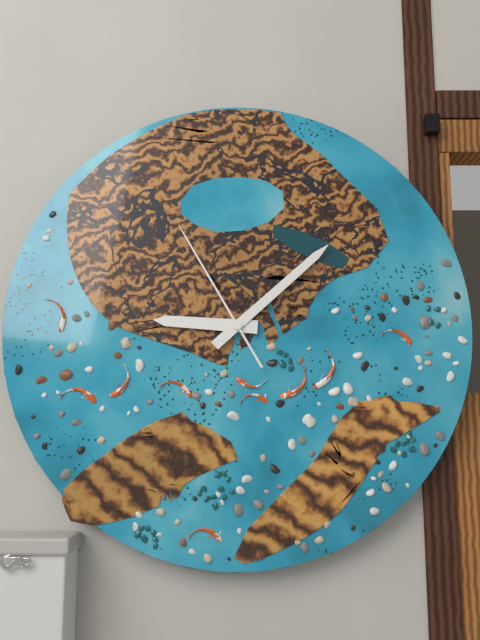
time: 9:08:55
